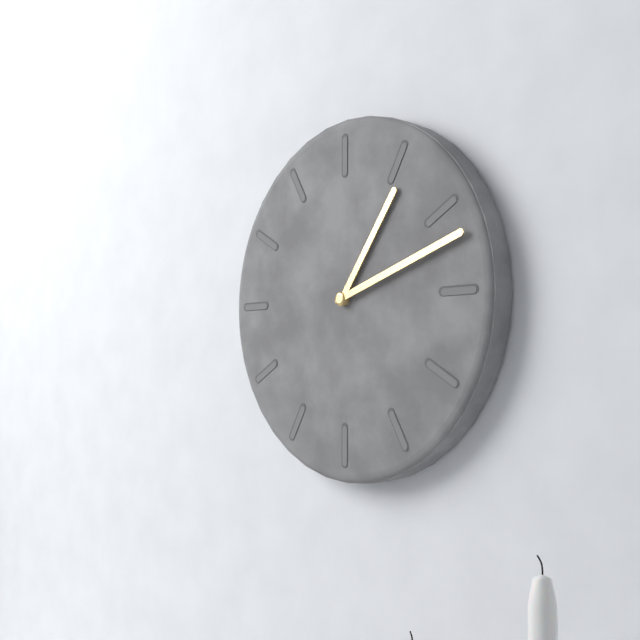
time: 1:12
